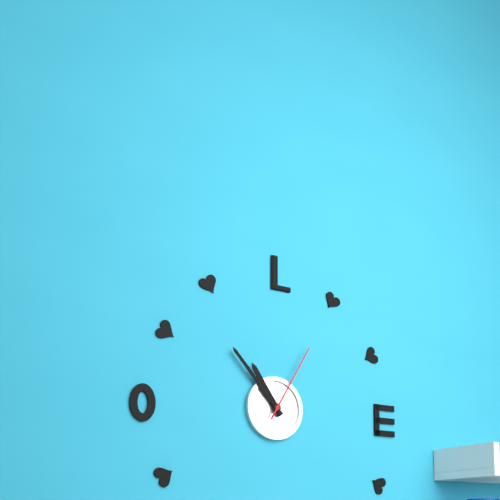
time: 10:53:05
